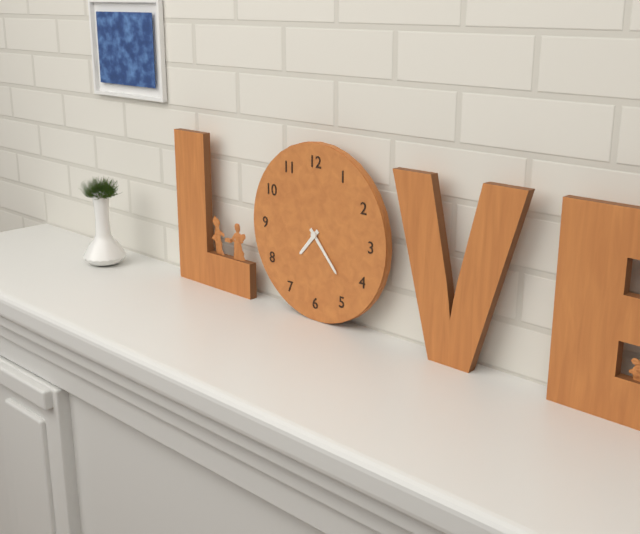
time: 7:23
